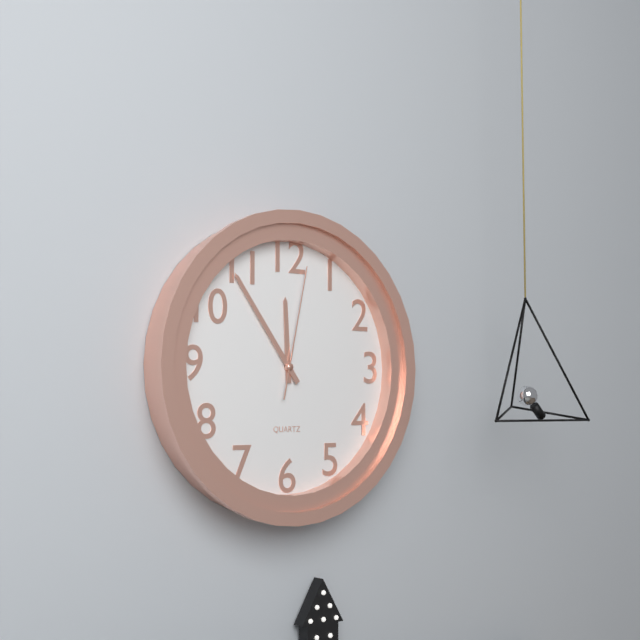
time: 11:54:02
